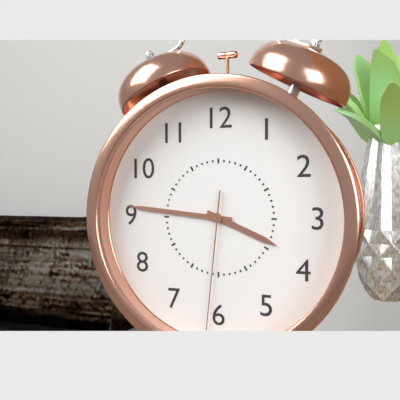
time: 3:46:31
